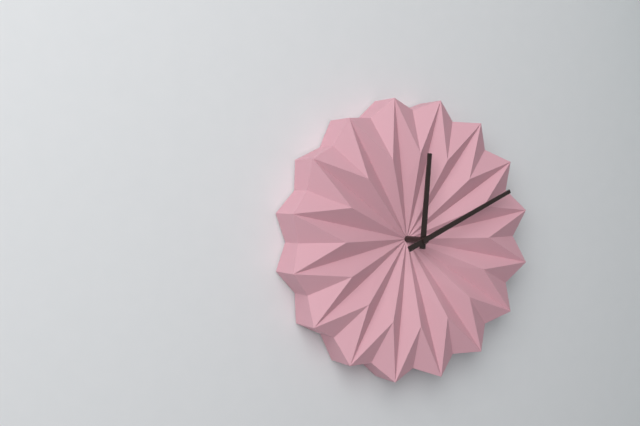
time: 12:11
